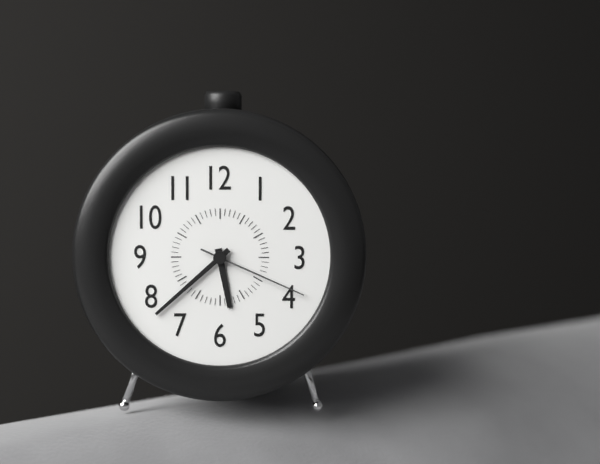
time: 5:38:19
